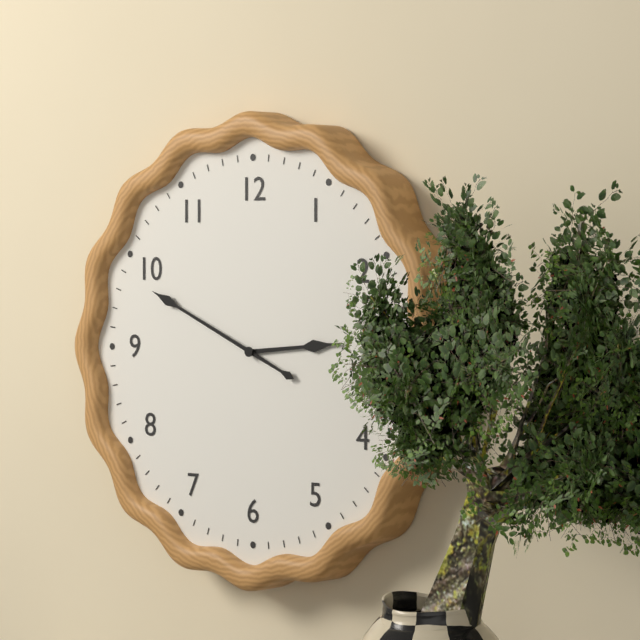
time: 2:49
